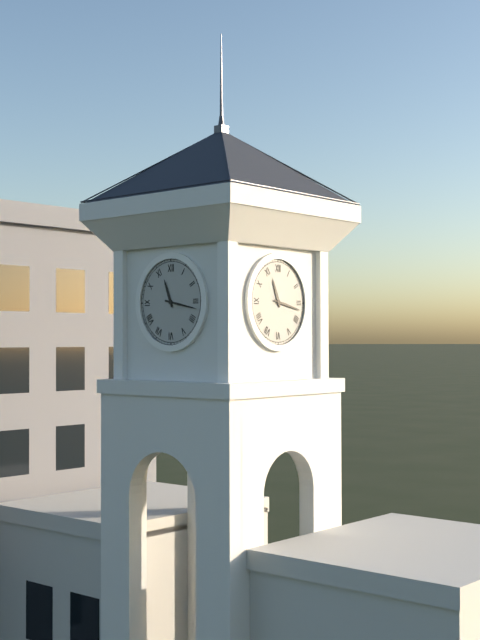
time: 11:17
